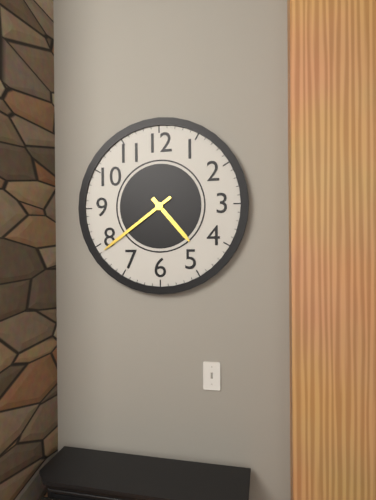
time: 4:39
